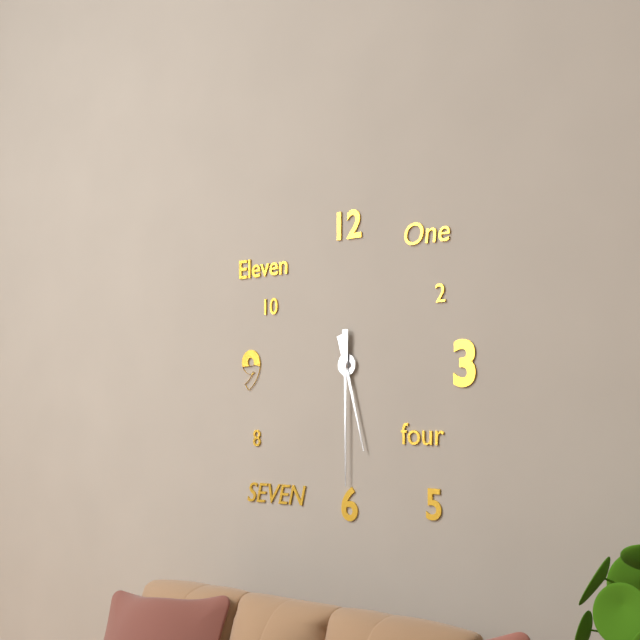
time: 5:30
